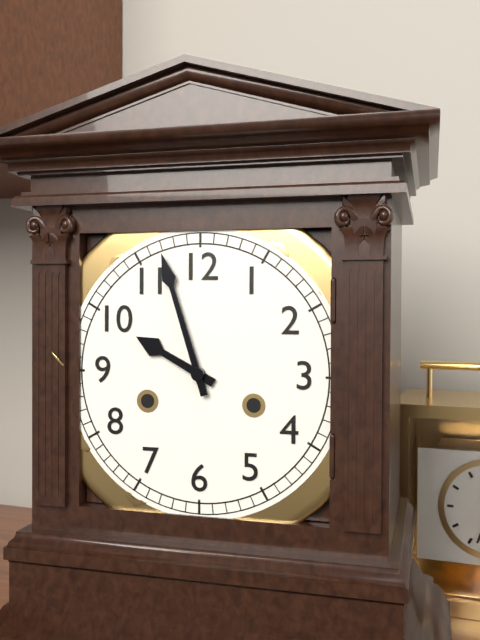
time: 9:57
